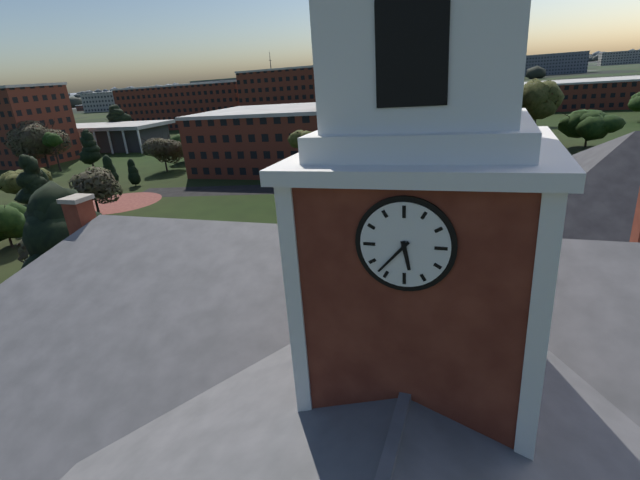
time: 5:37
